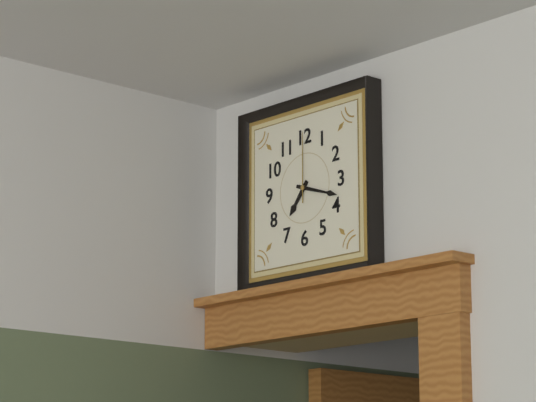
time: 7:18:00
